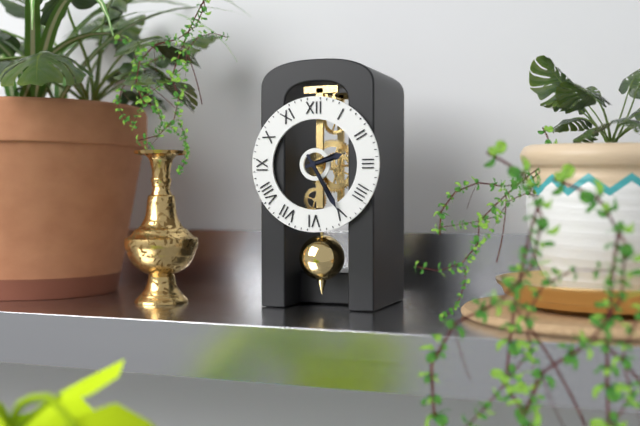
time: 2:25
